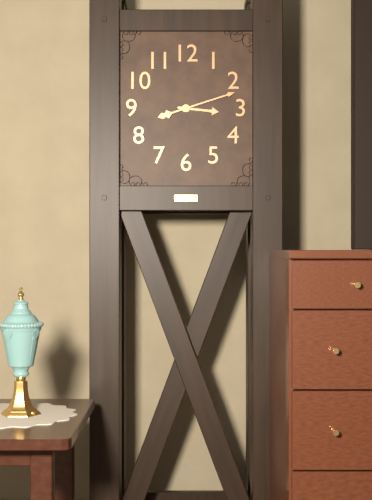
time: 3:12
